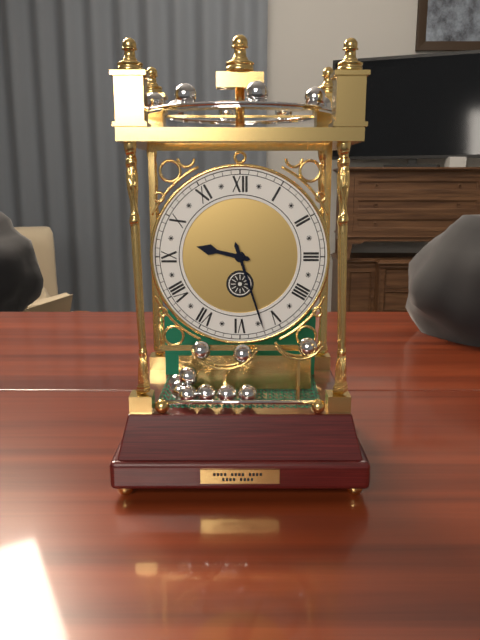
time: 9:27
